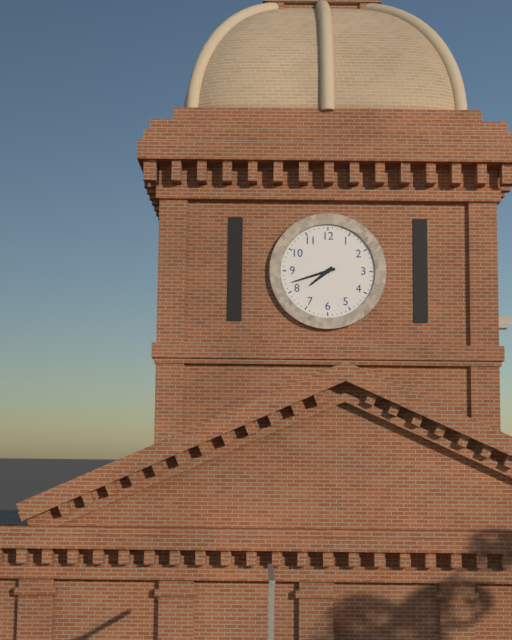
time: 7:42
